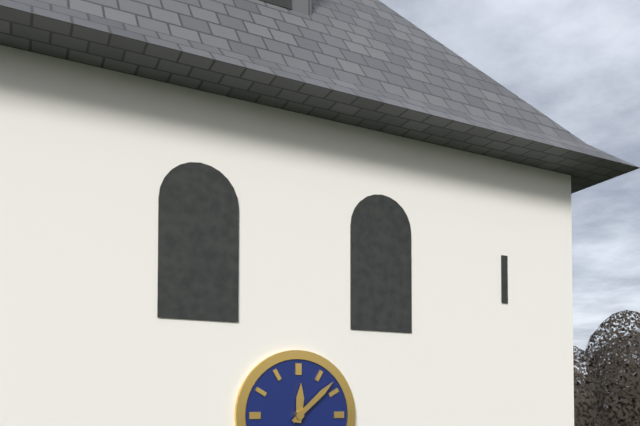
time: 12:08
